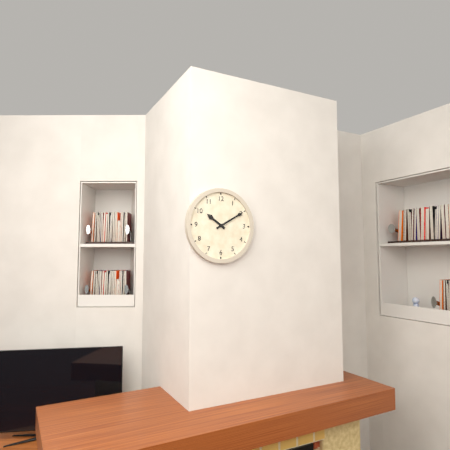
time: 10:10
